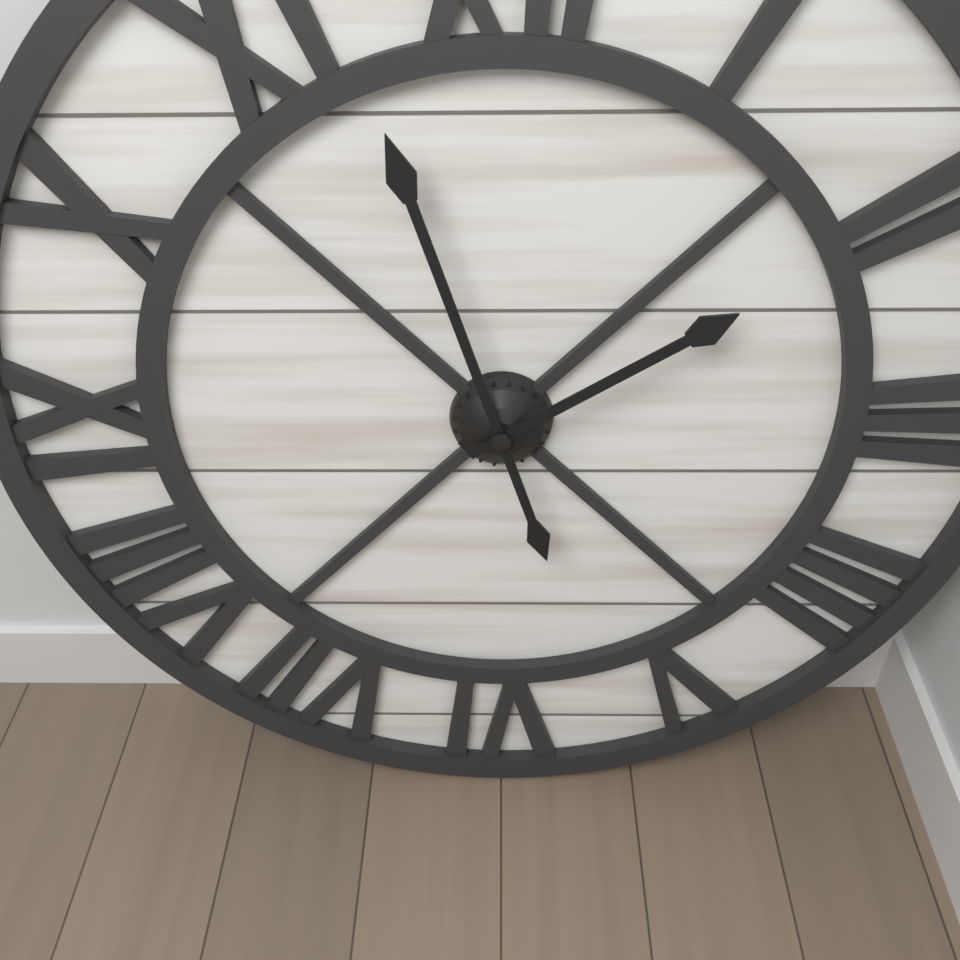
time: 1:57
